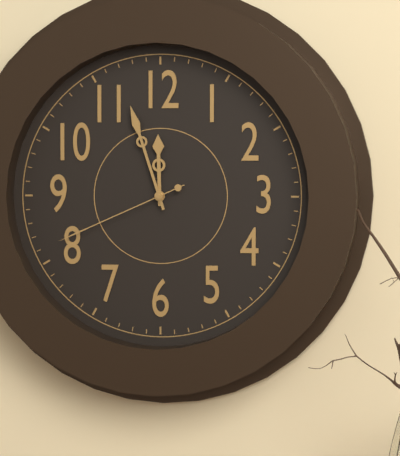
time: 11:57:41
